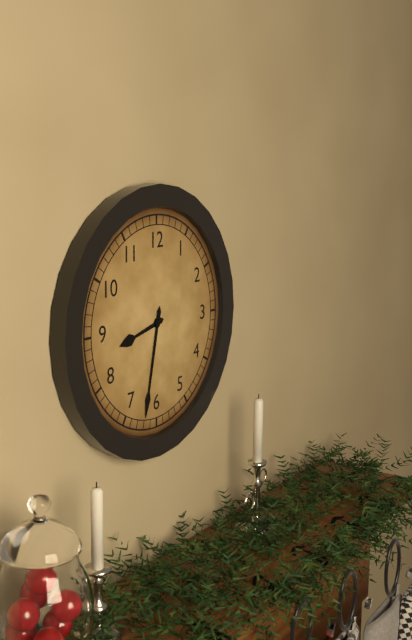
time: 8:32
